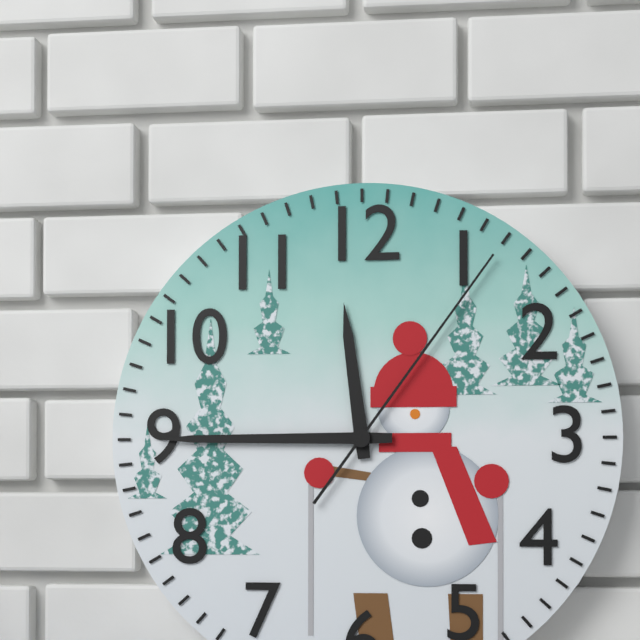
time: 11:45:06
